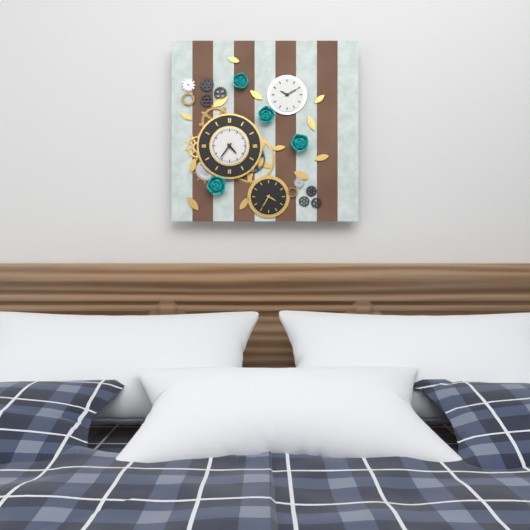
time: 4:36
